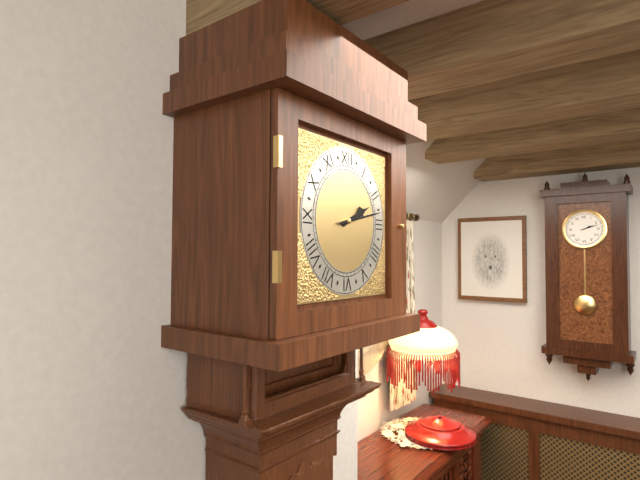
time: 2:13
